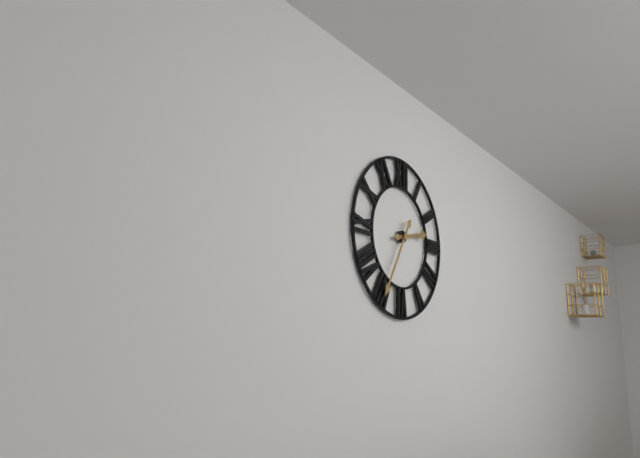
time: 2:35
